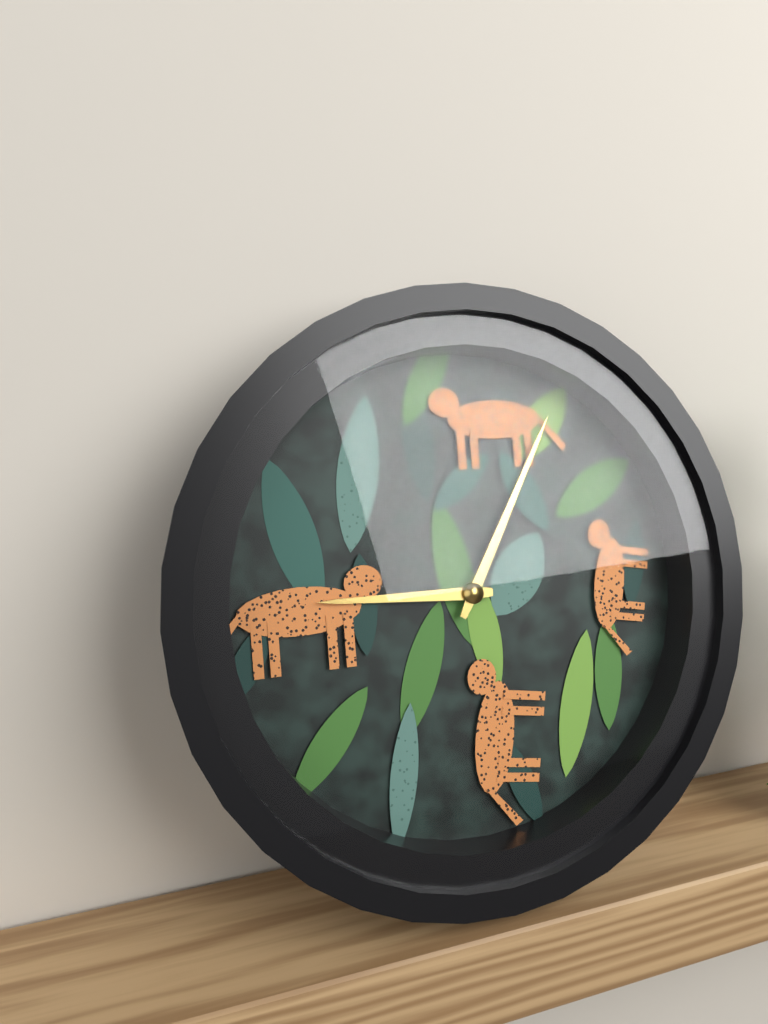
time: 9:05
